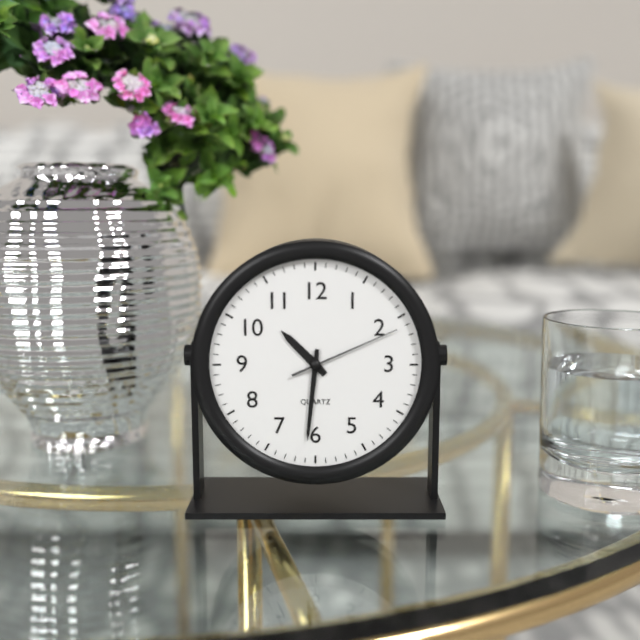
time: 10:31:11
